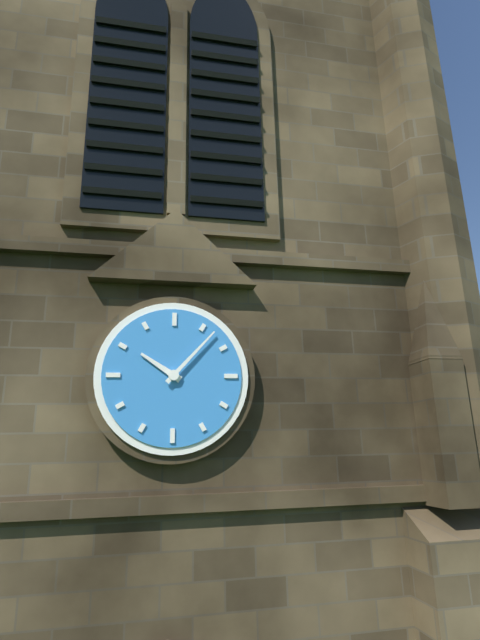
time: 10:07
